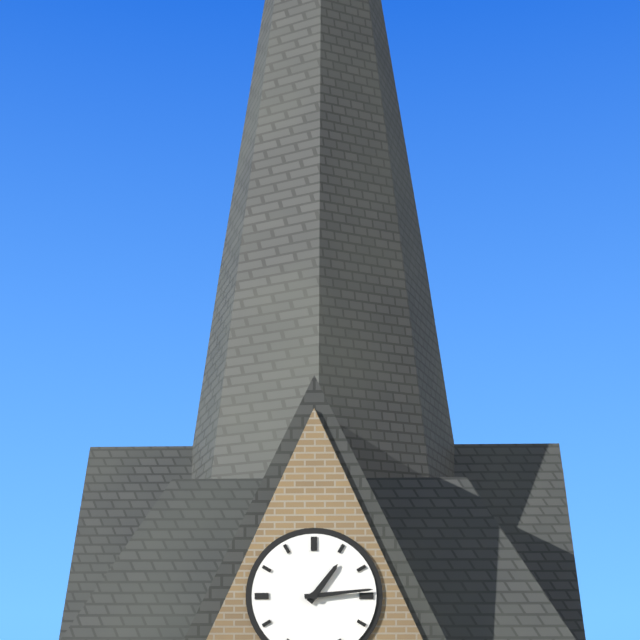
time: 1:14
